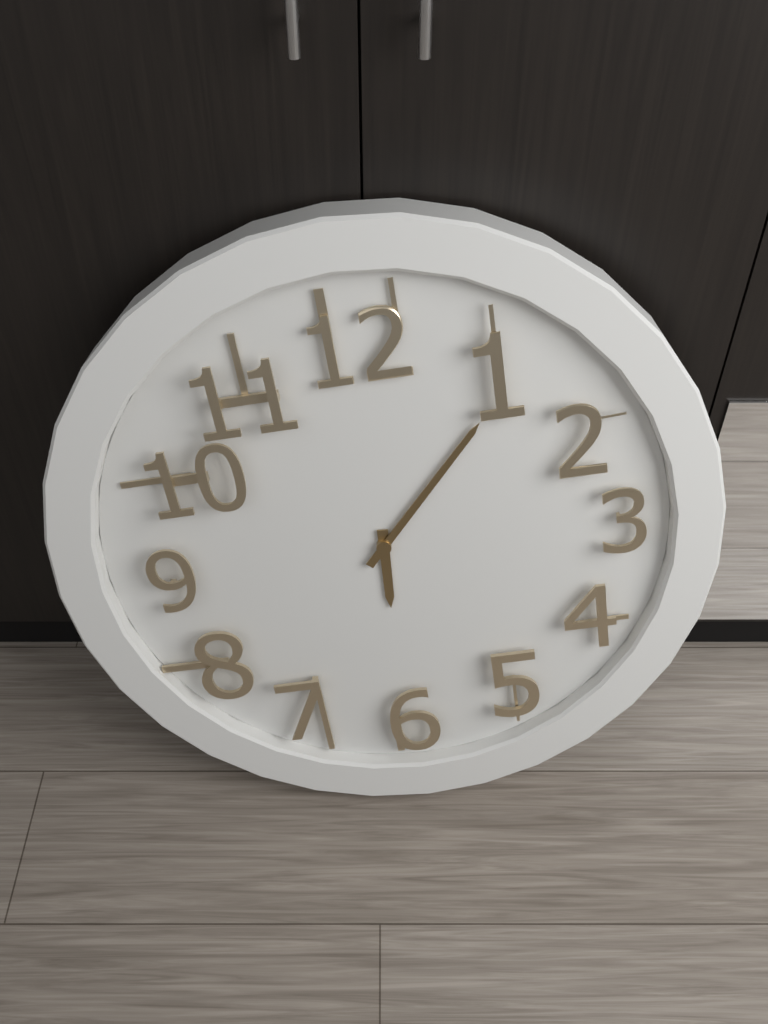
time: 6:07
